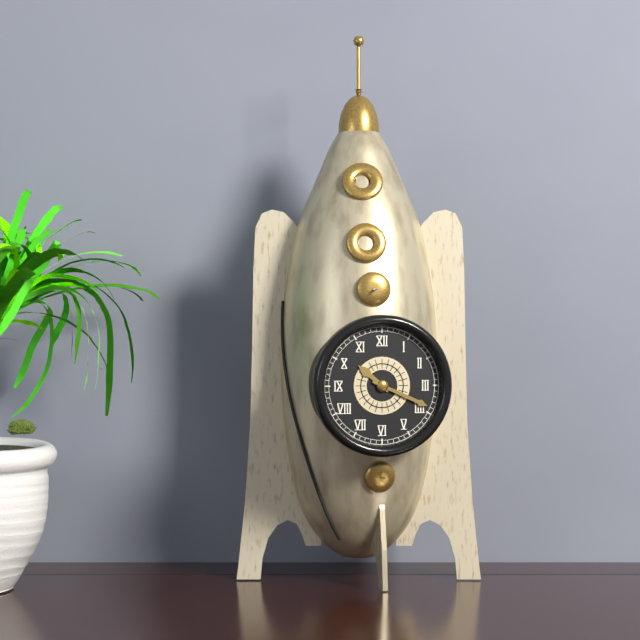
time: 10:19
